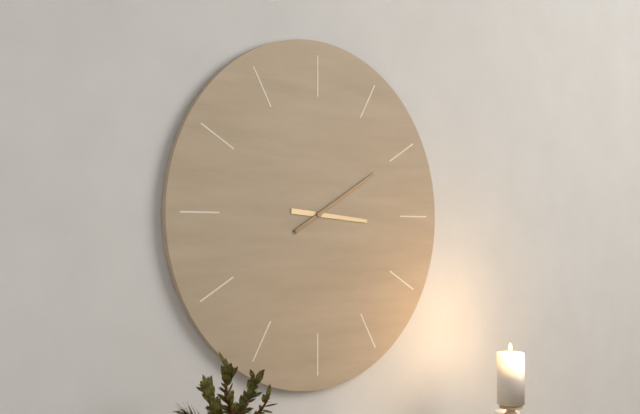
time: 3:10
